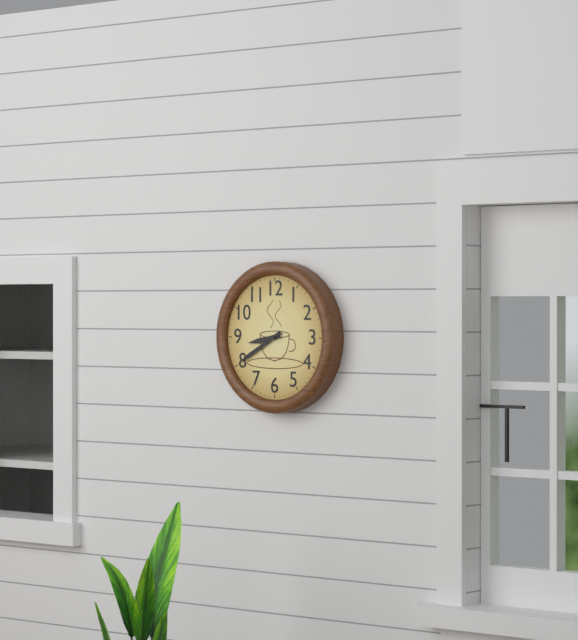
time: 8:40
